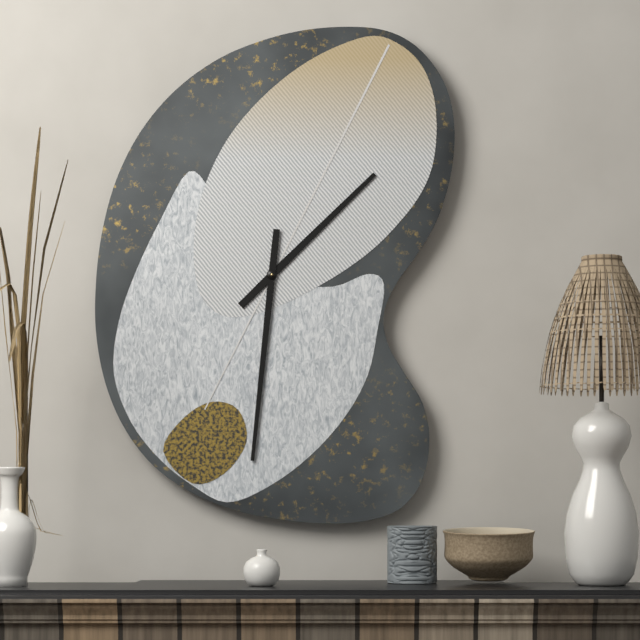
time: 1:31
